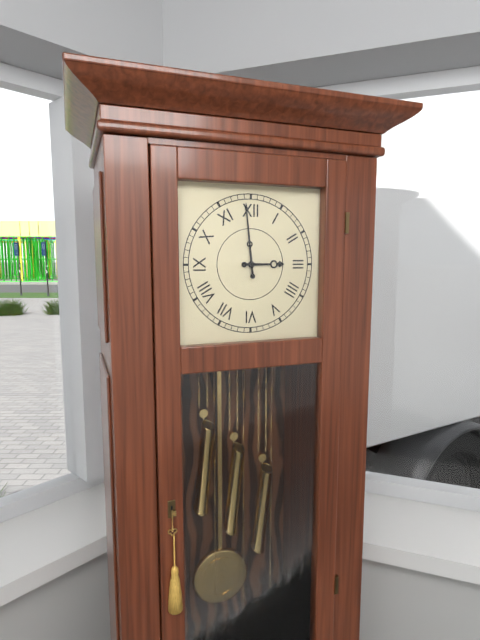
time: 2:59
